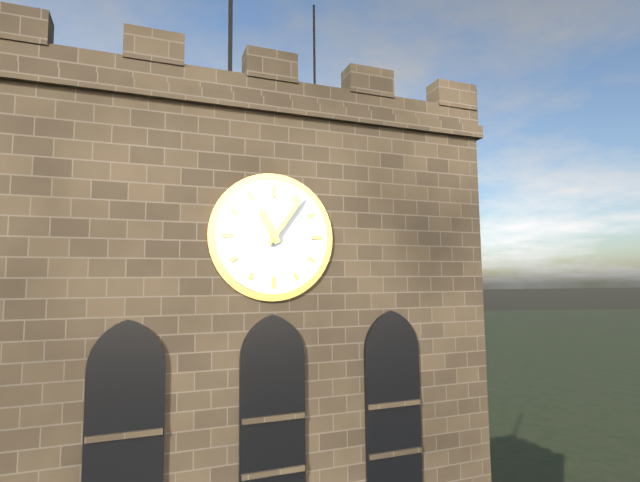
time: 11:06
